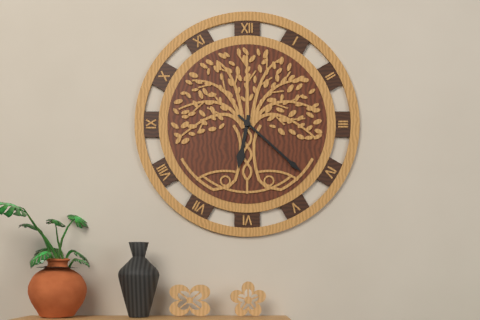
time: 6:22
